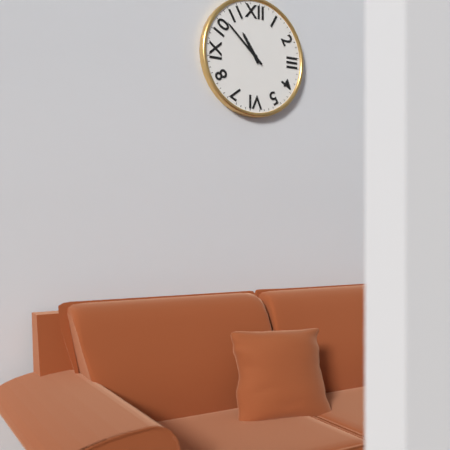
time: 10:52
